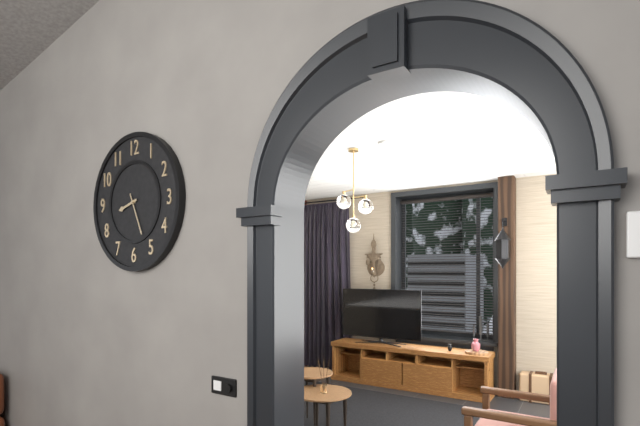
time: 8:26
